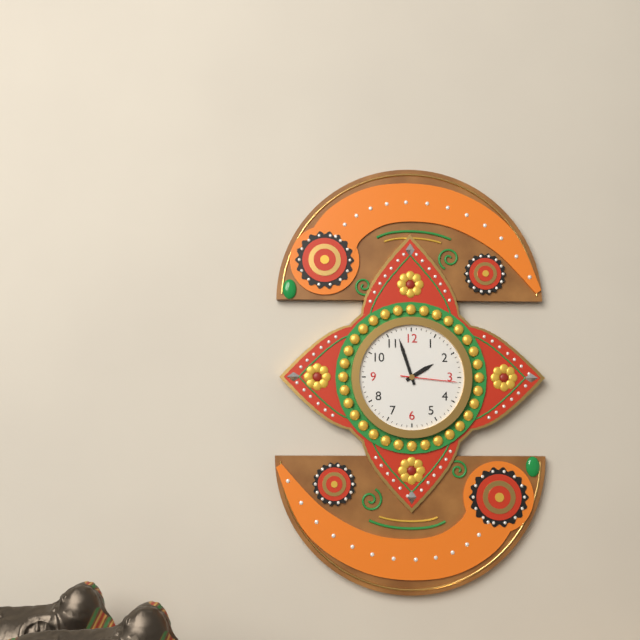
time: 1:57:16
